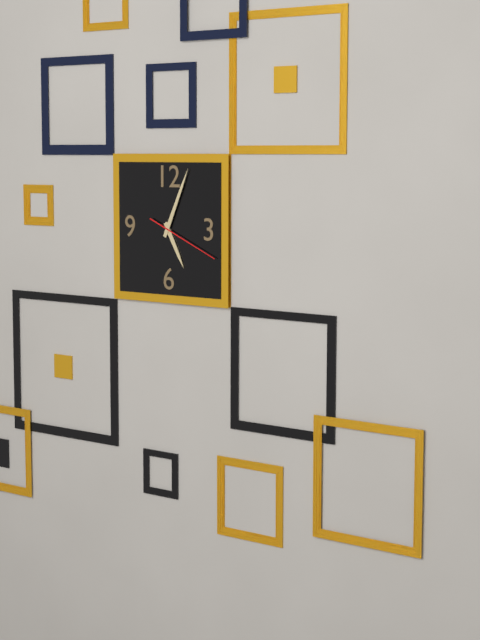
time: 5:04:19
